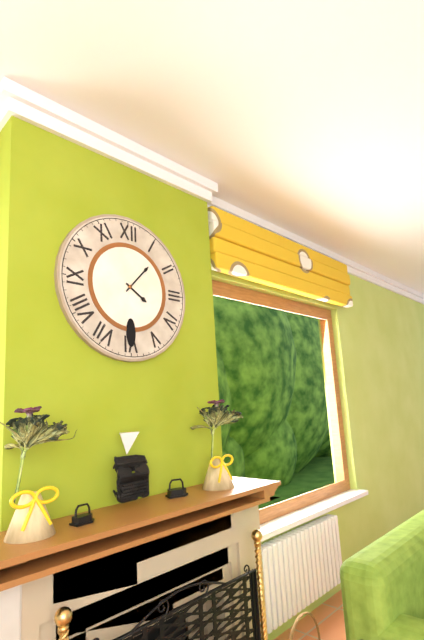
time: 4:07
